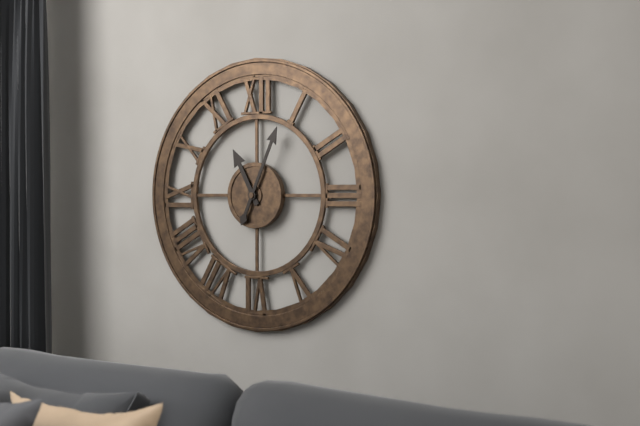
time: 11:04
